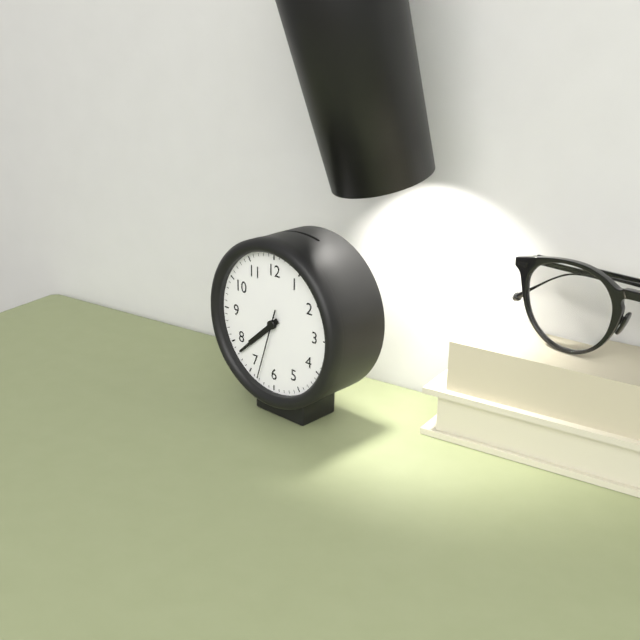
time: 7:38:33
